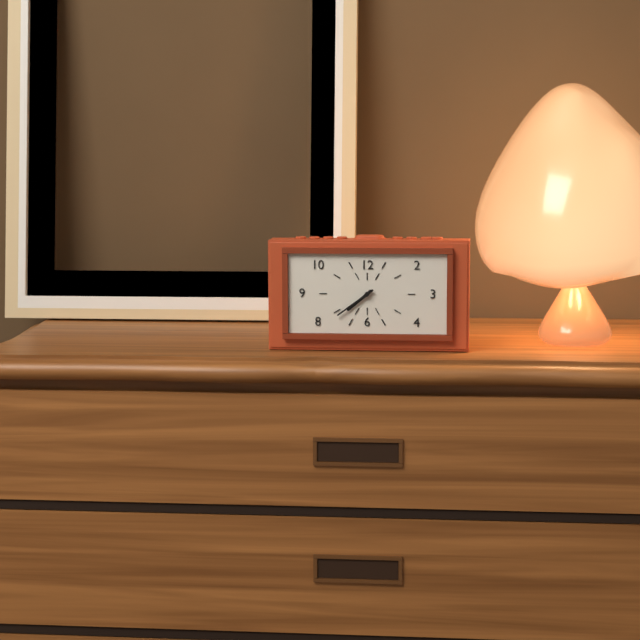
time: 7:39
